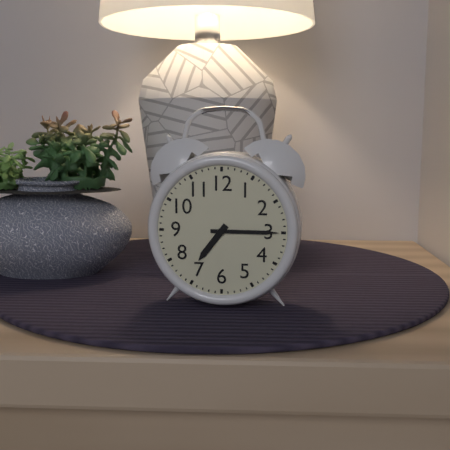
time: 7:15
